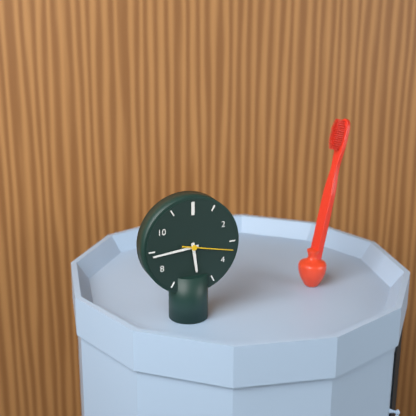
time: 5:44:17
